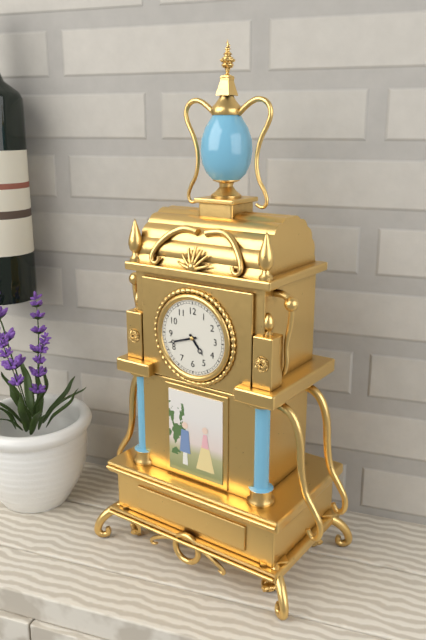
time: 4:42
